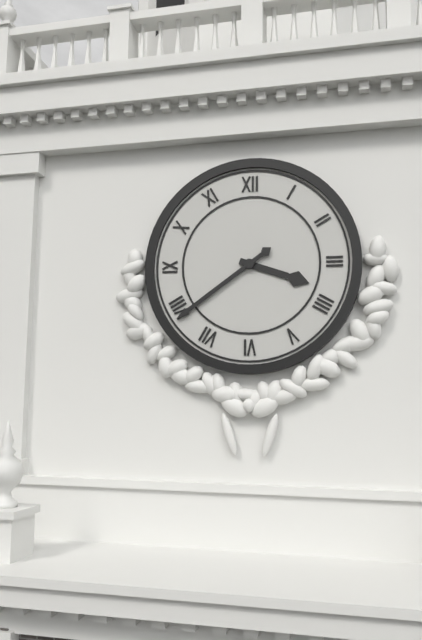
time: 3:39
